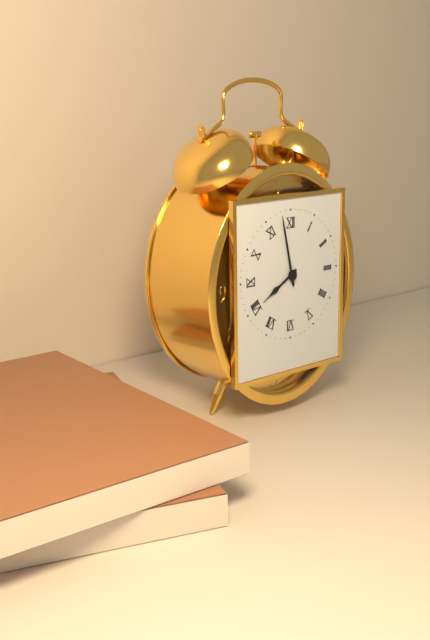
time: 7:58
